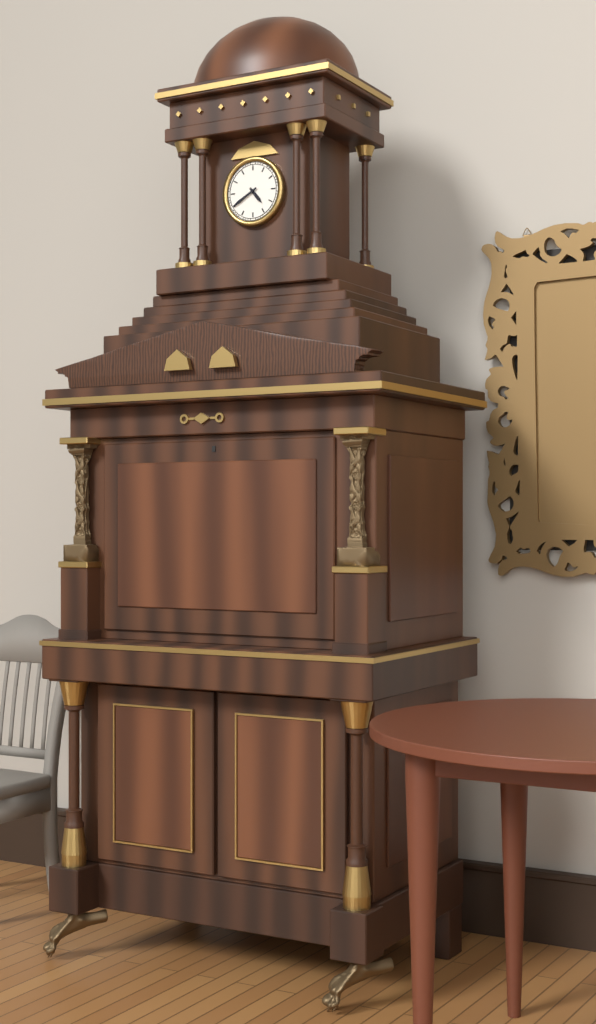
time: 4:40
